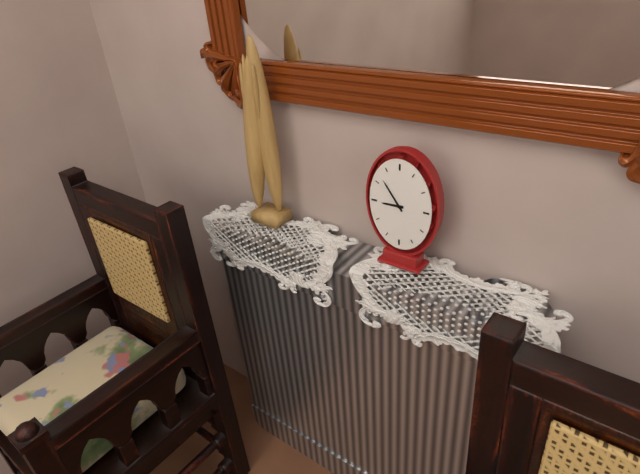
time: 8:54
